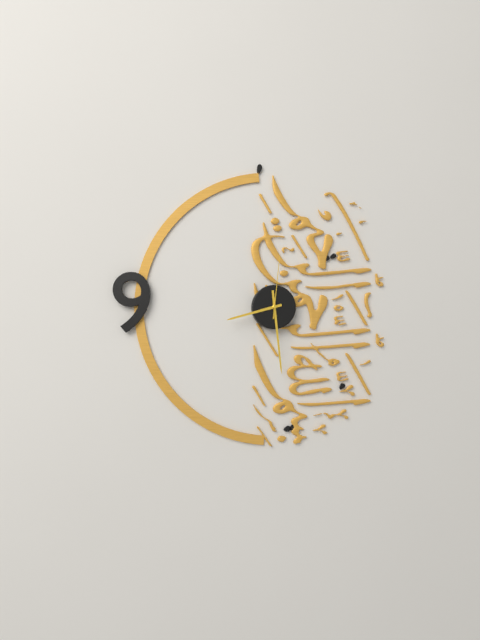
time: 8:29:01
